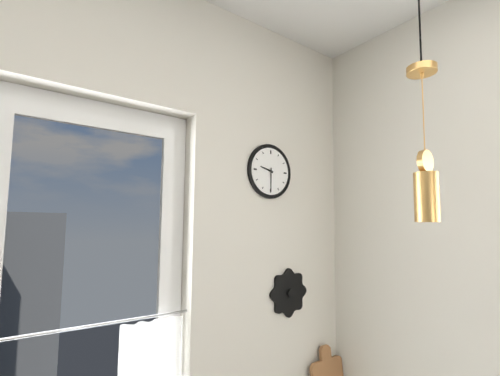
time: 9:30
